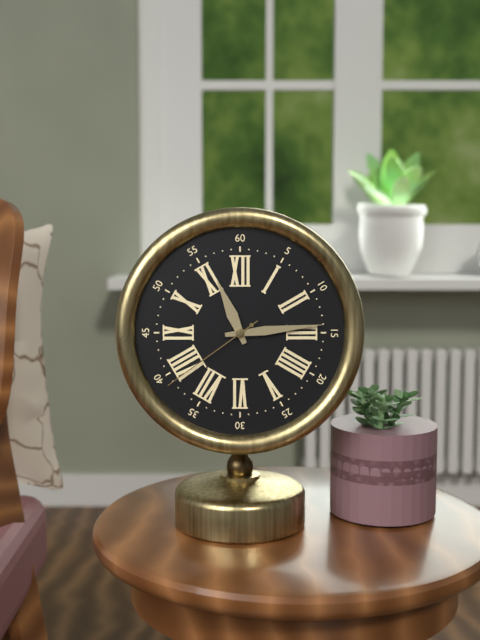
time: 11:14:39
